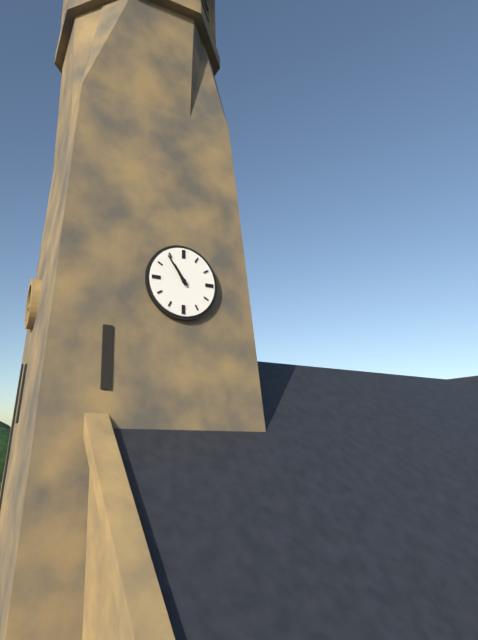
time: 10:54
